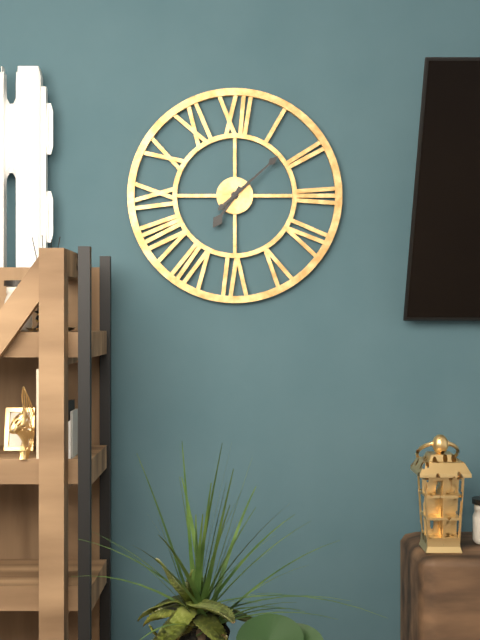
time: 7:08
